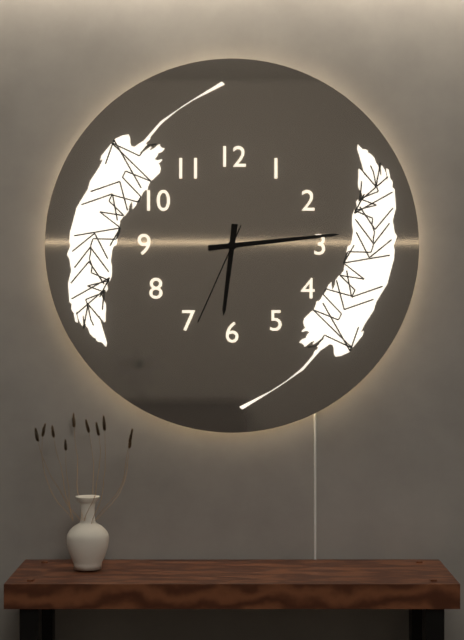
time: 6:14:34
